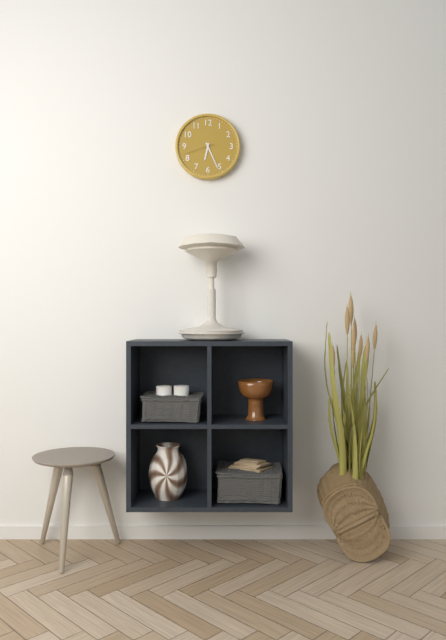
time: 6:26
